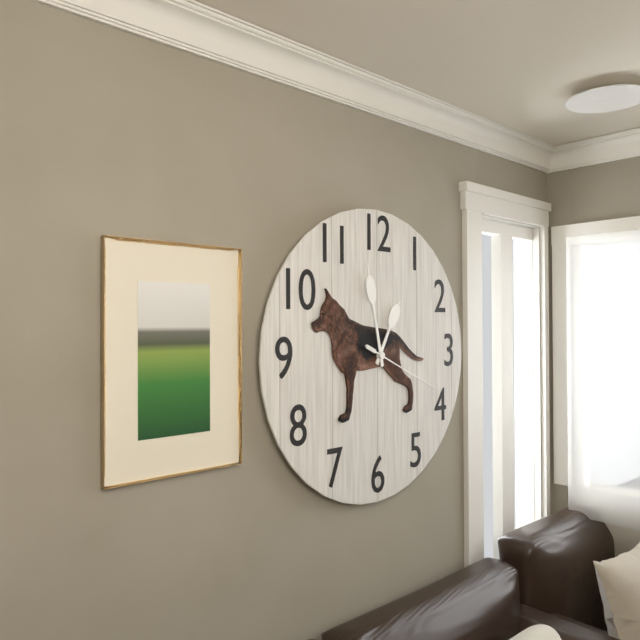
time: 12:58:19
